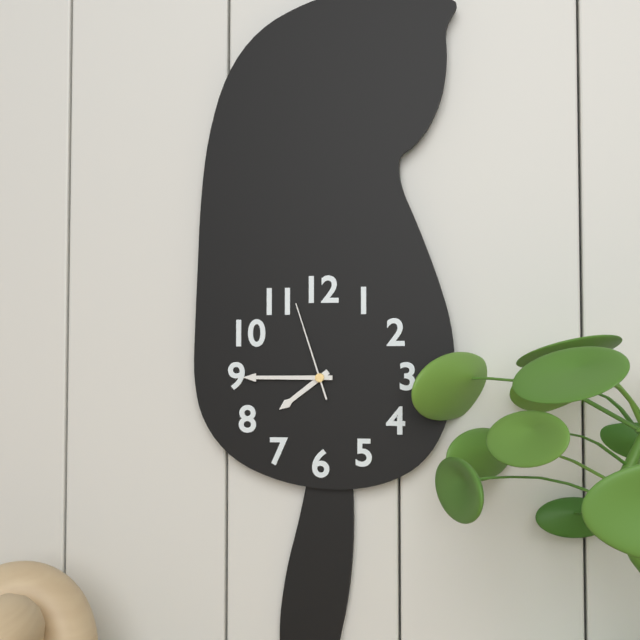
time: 7:45:57
